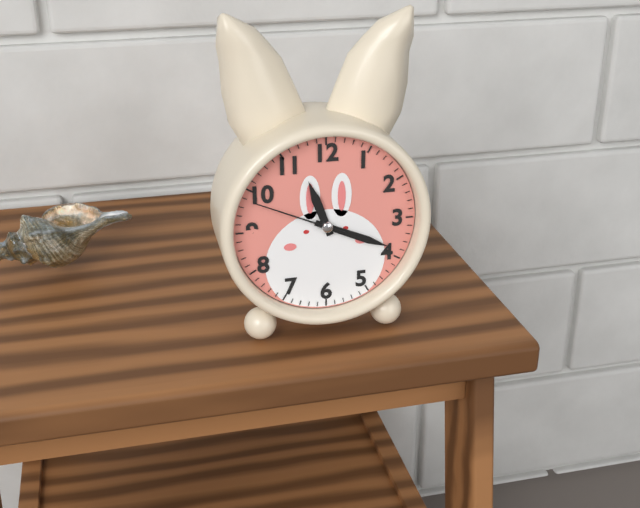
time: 11:19:49
